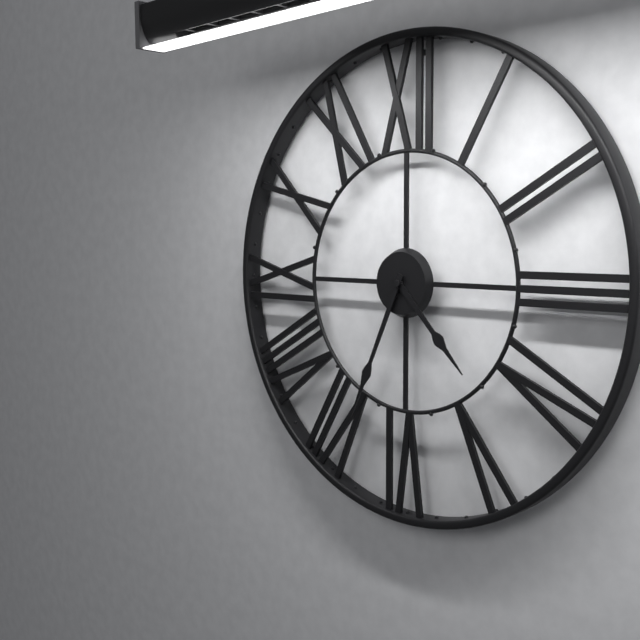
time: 4:34
